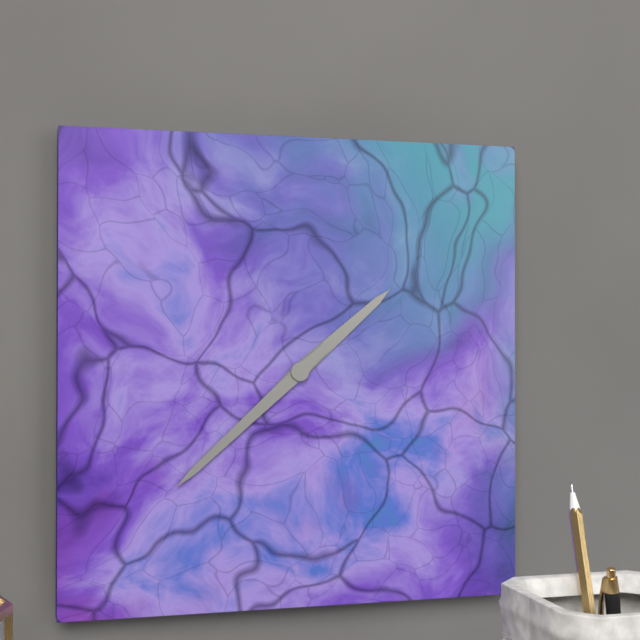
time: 1:38
